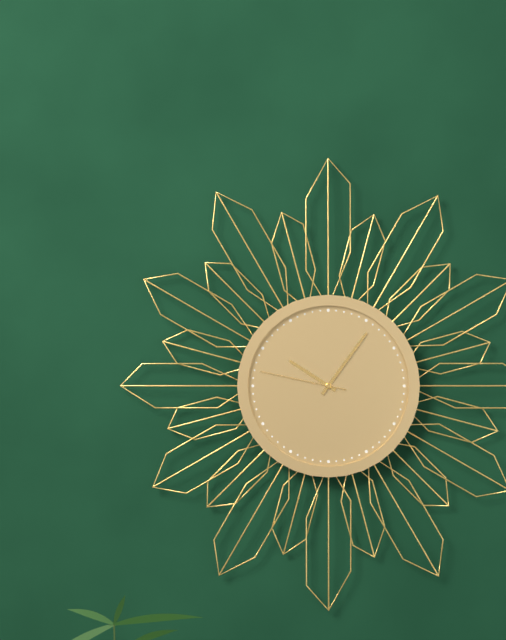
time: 10:06:47
